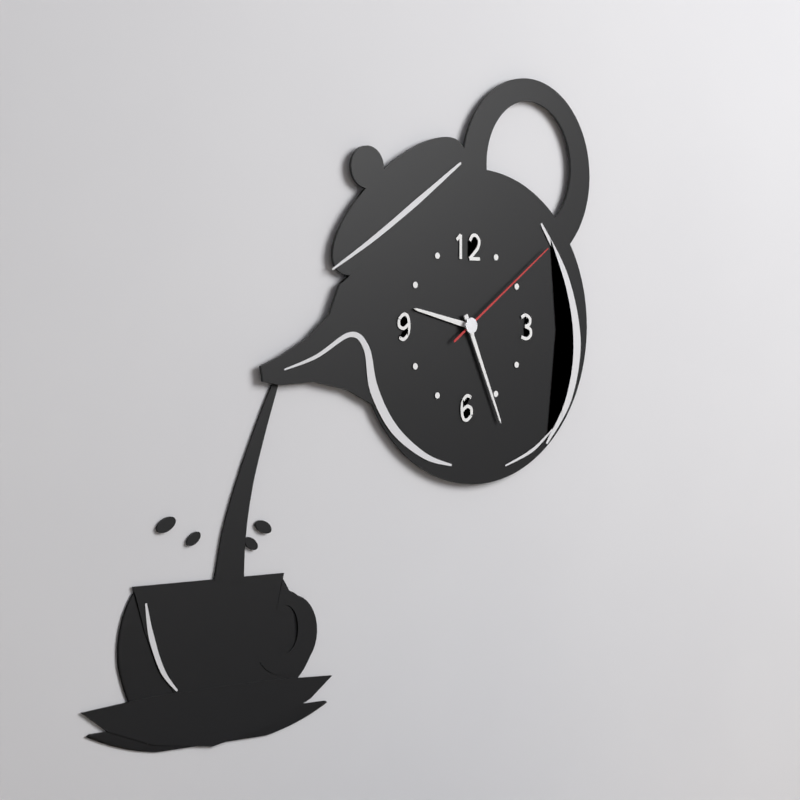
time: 9:26:09
